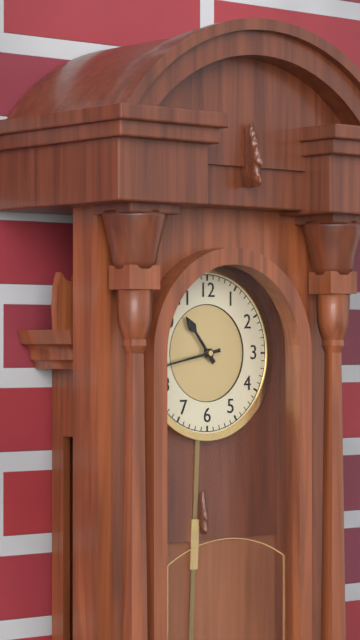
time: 10:43
